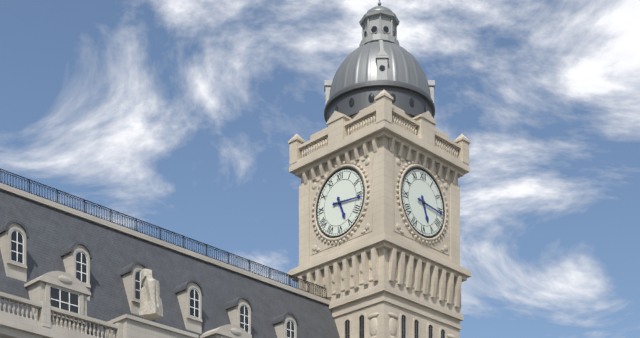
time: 5:16
